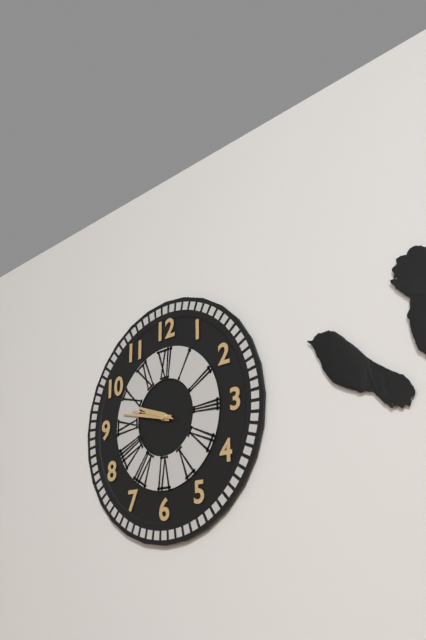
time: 9:47
